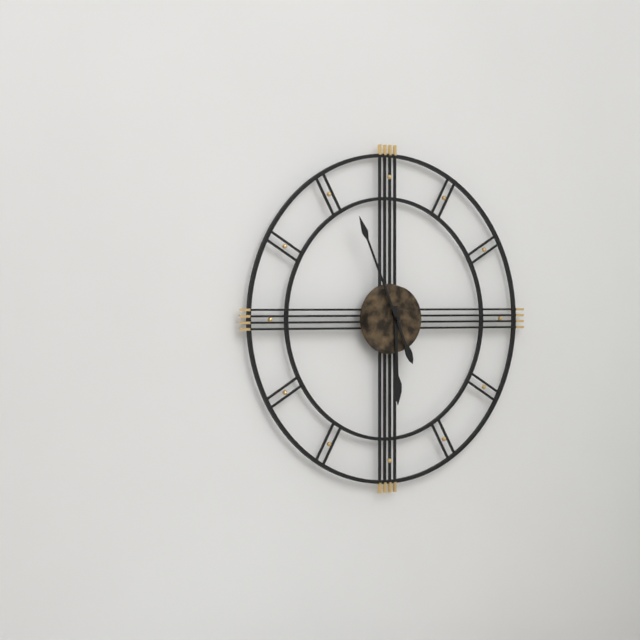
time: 5:56
